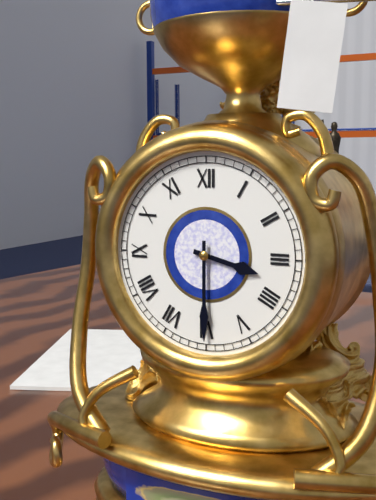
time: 3:30
